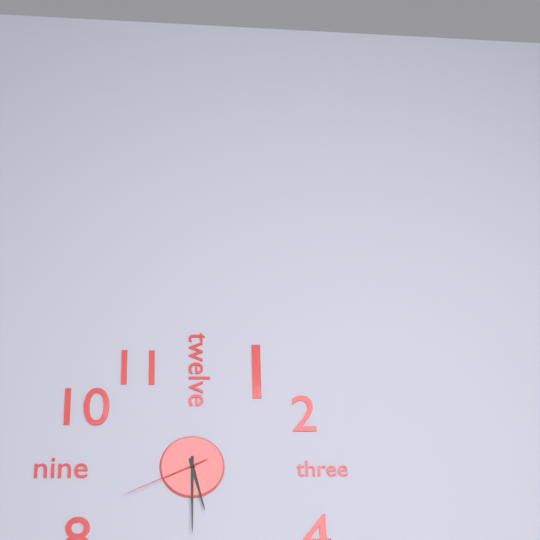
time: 5:30:41
